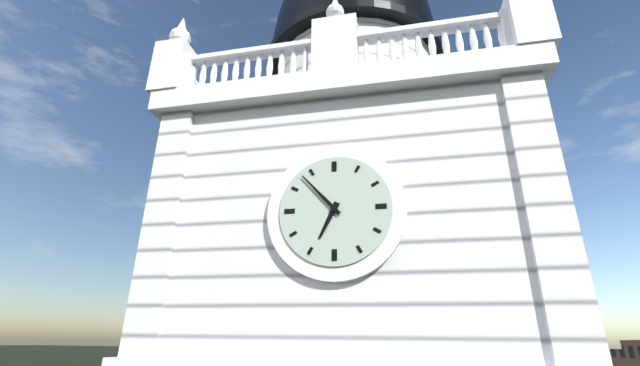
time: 6:53
